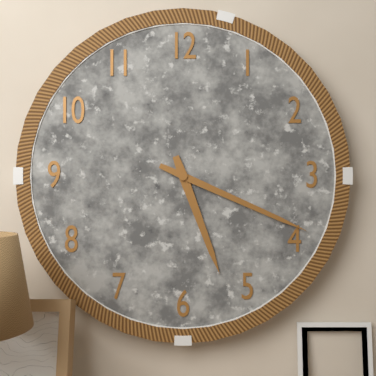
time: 5:19
